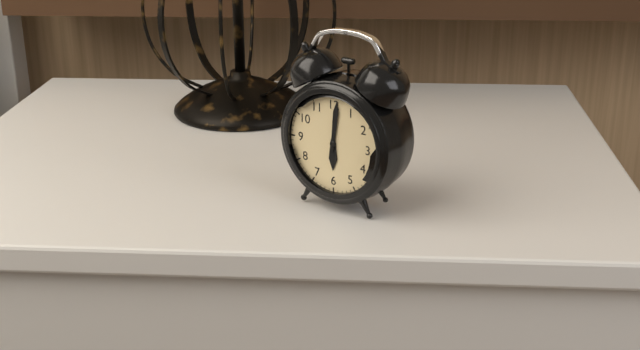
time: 6:01
